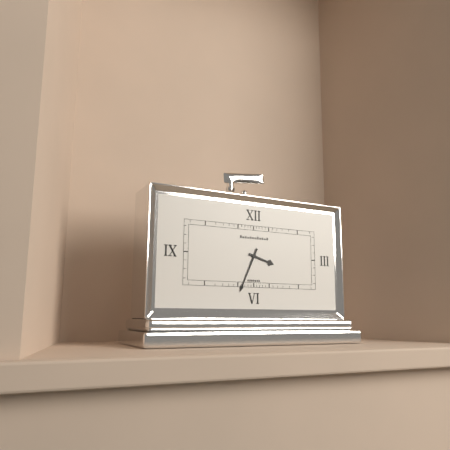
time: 3:34
